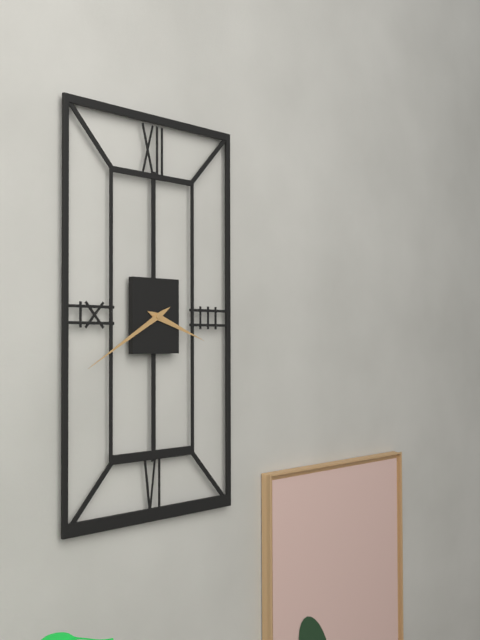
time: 3:40
